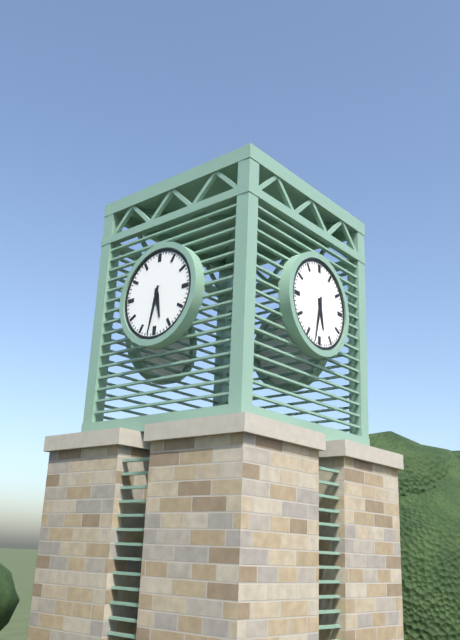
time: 5:32
